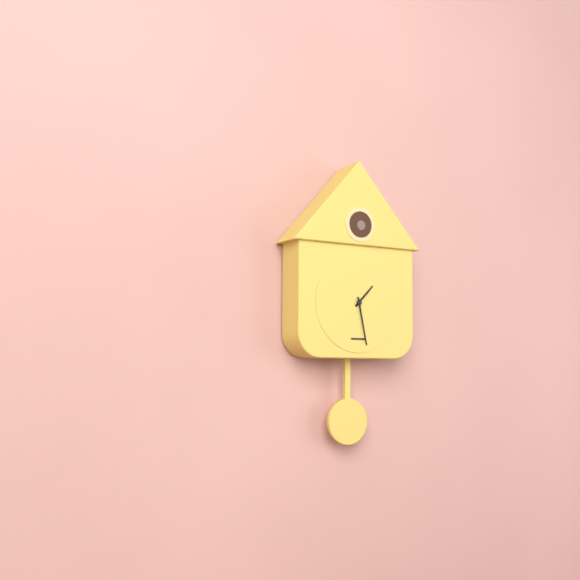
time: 1:28
